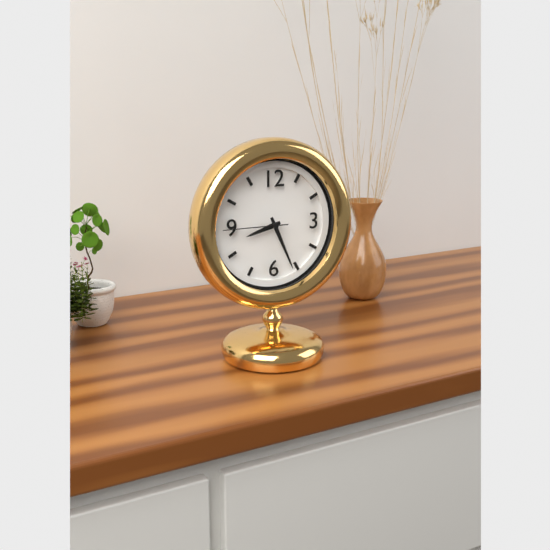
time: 8:26:45
